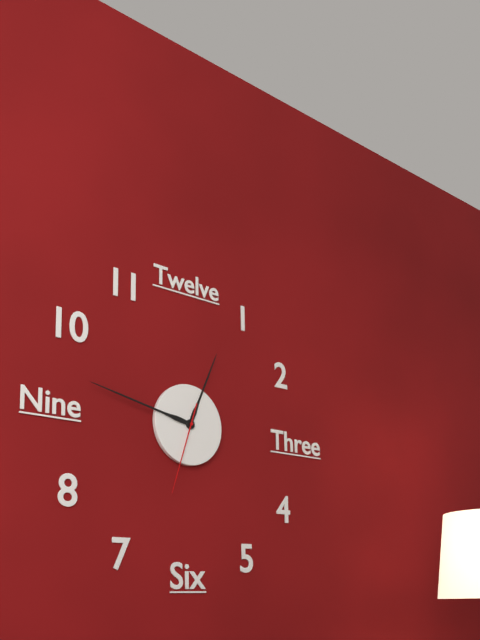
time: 12:47:33
